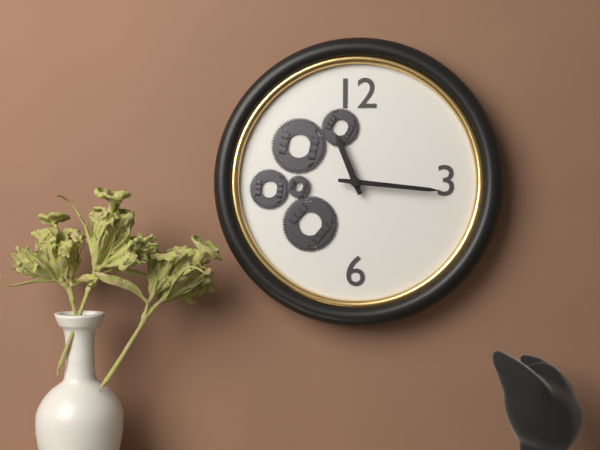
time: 11:16
